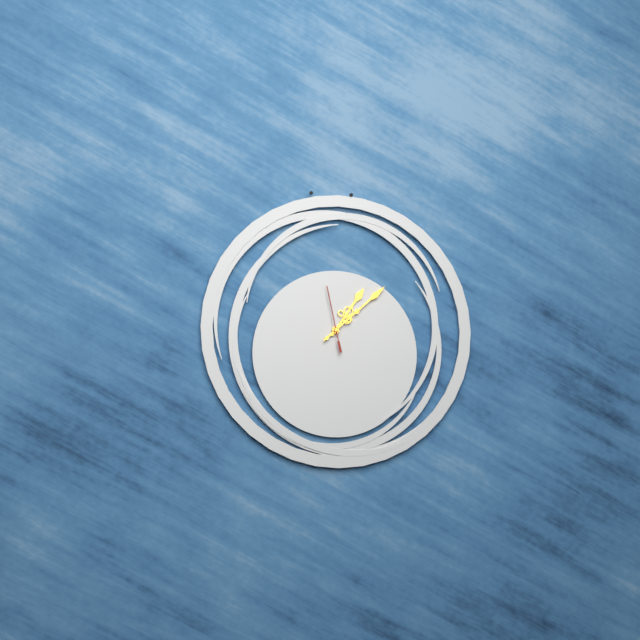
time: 1:08:58
